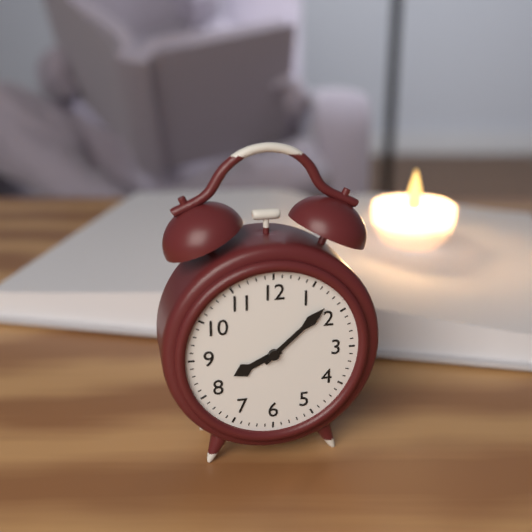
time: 8:08
